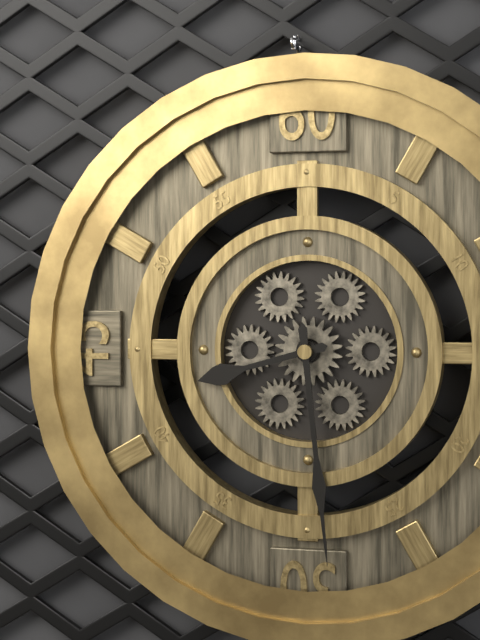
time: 8:29
